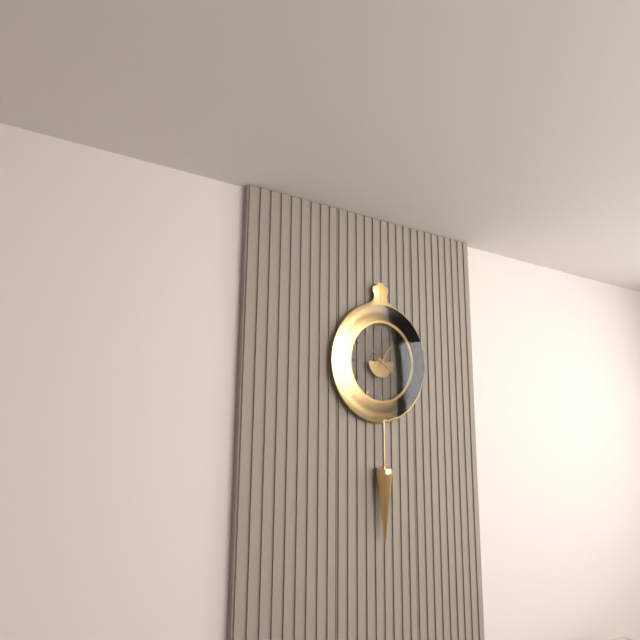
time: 4:06
